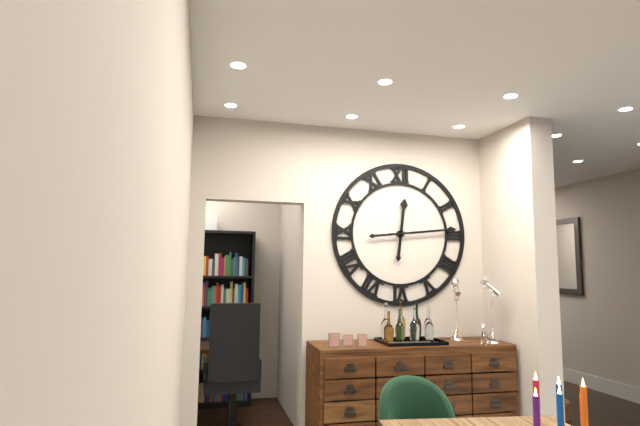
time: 12:14
